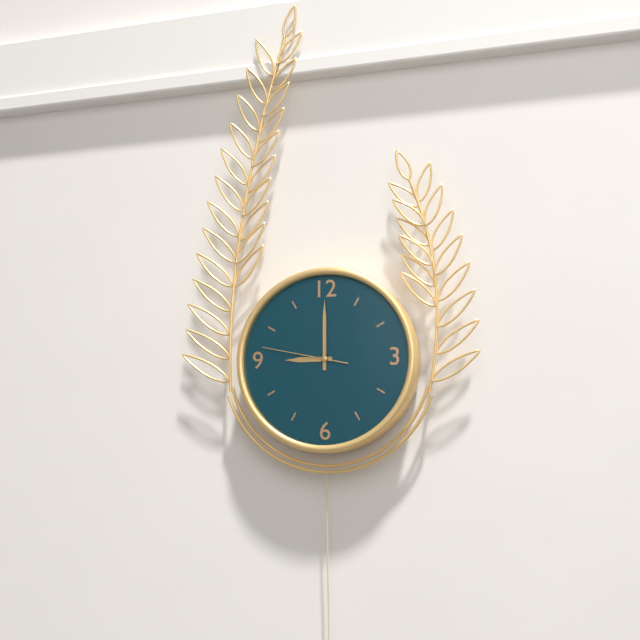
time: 9:00:47
